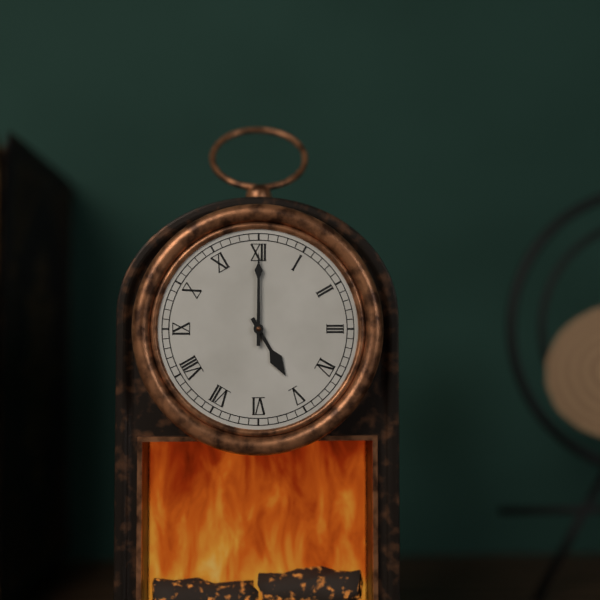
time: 5:00
